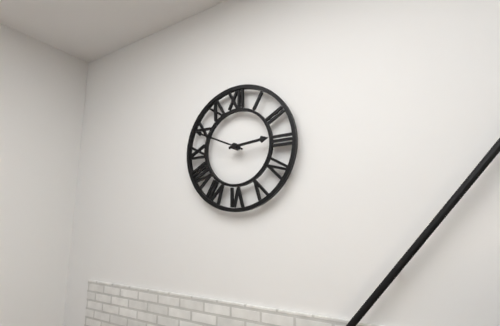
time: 2:49
